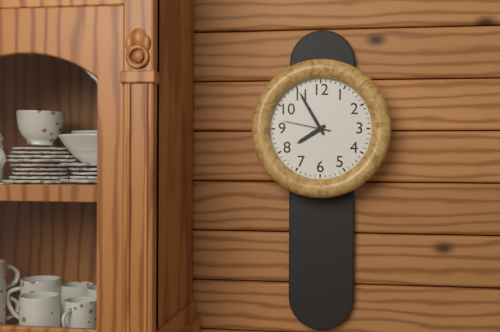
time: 7:55:47
